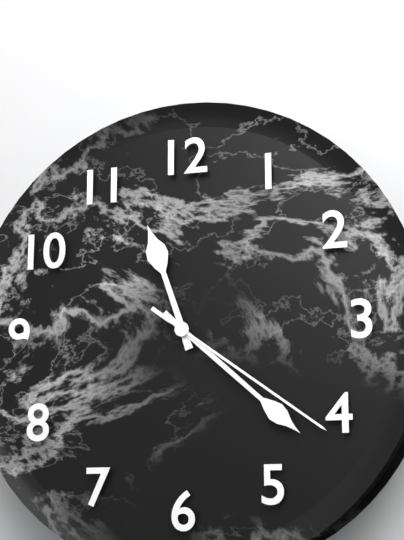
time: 11:22:21
